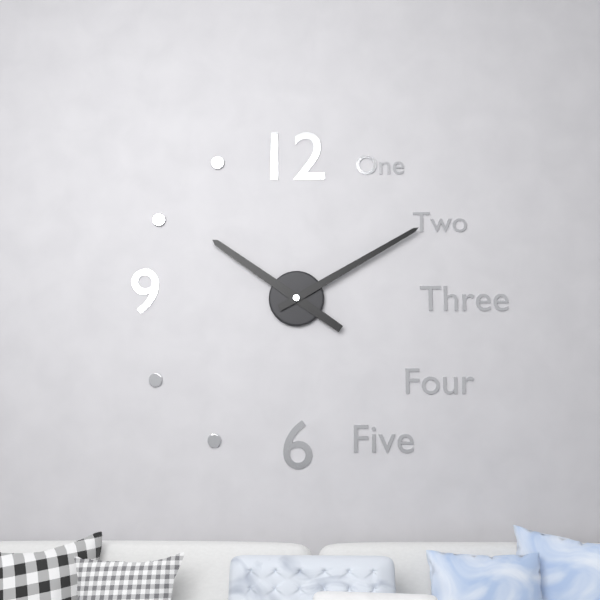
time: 10:10
